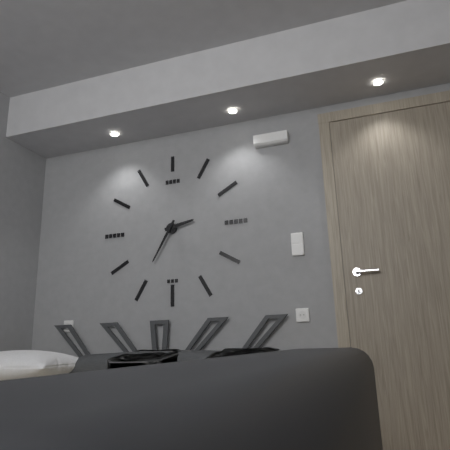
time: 2:35
